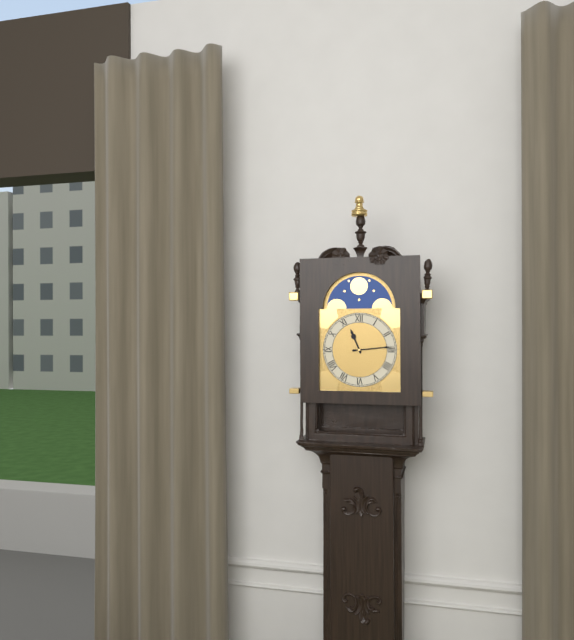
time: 11:14
